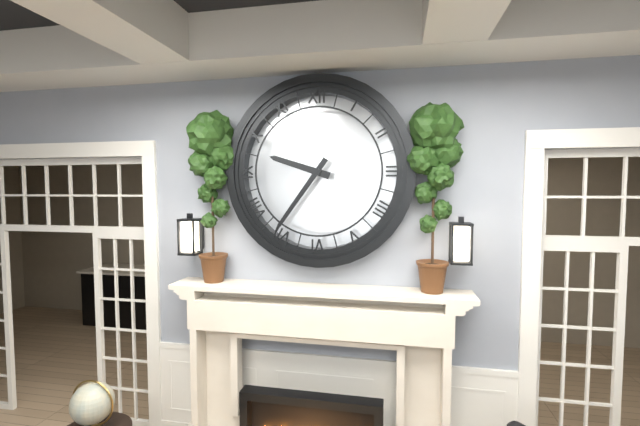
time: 9:36
